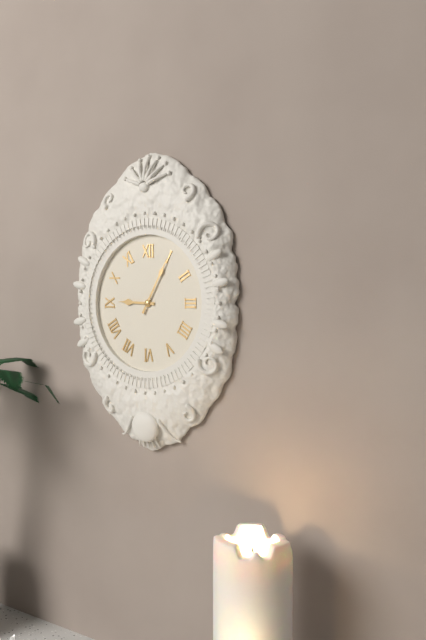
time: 9:05
